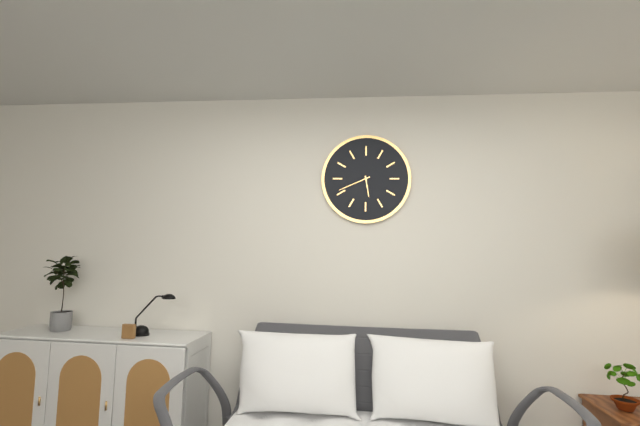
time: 5:41
